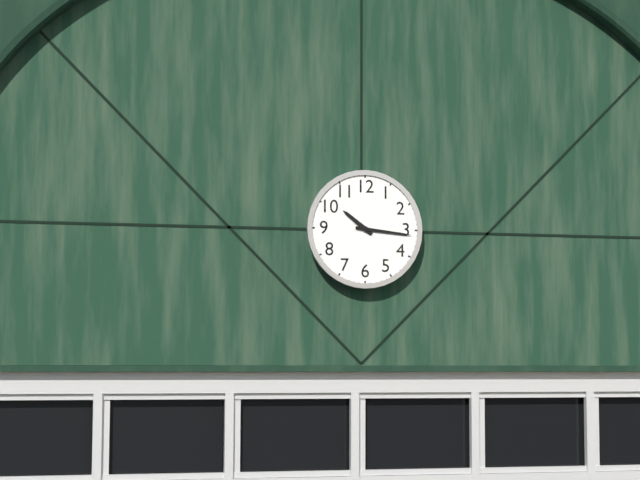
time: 10:16
